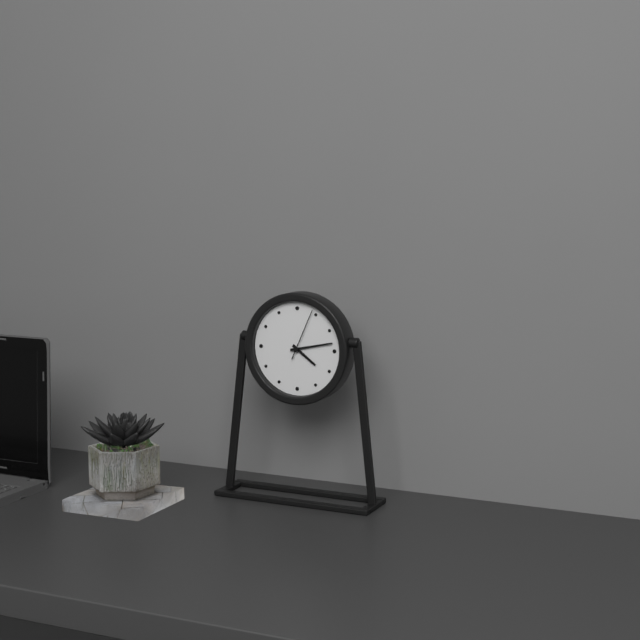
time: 4:13:04
